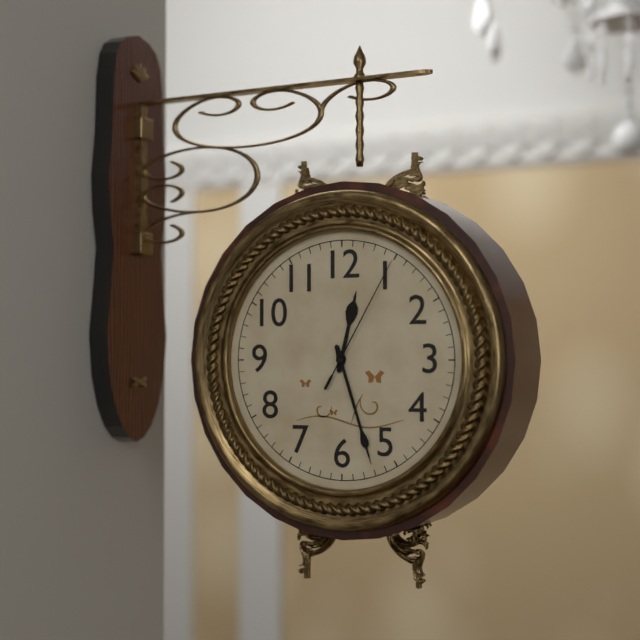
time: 12:27:05
